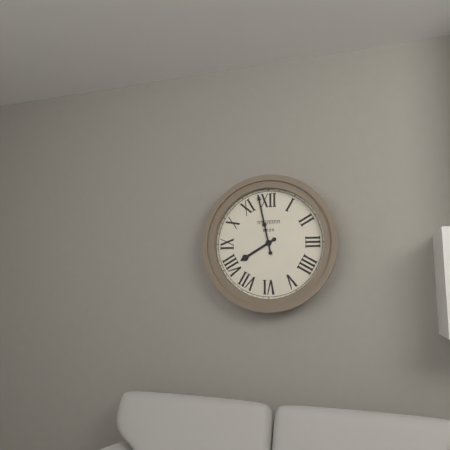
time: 7:58
